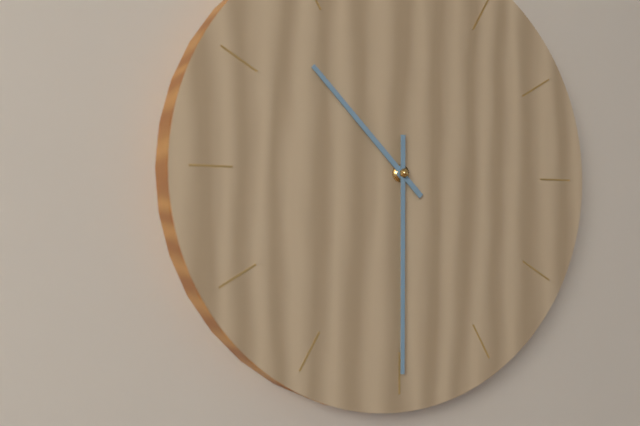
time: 10:30
